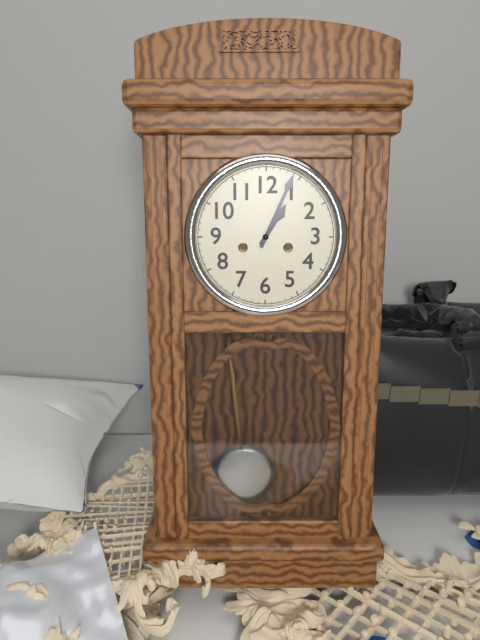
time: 1:04
